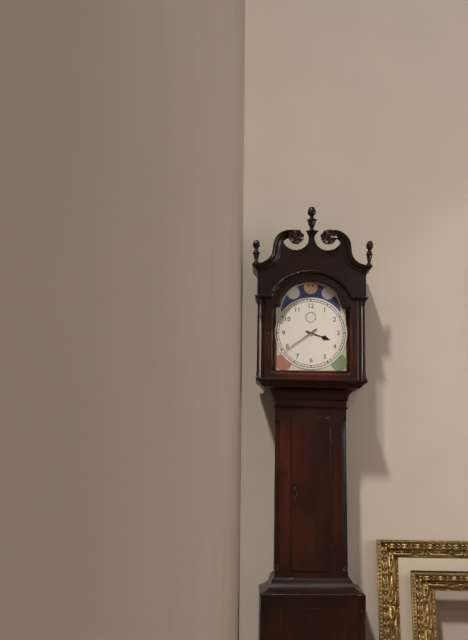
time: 3:39
